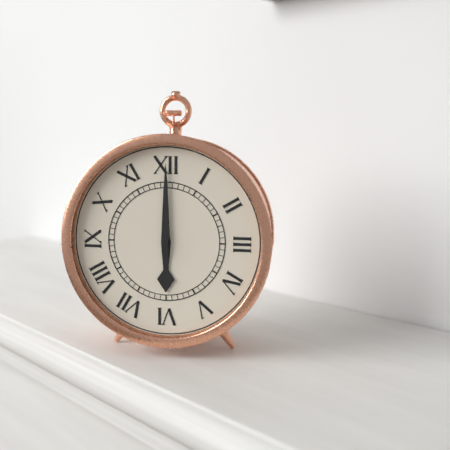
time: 6:00
